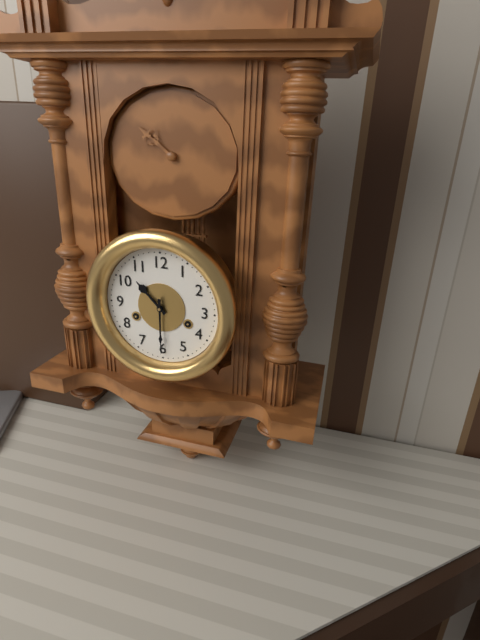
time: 10:30
